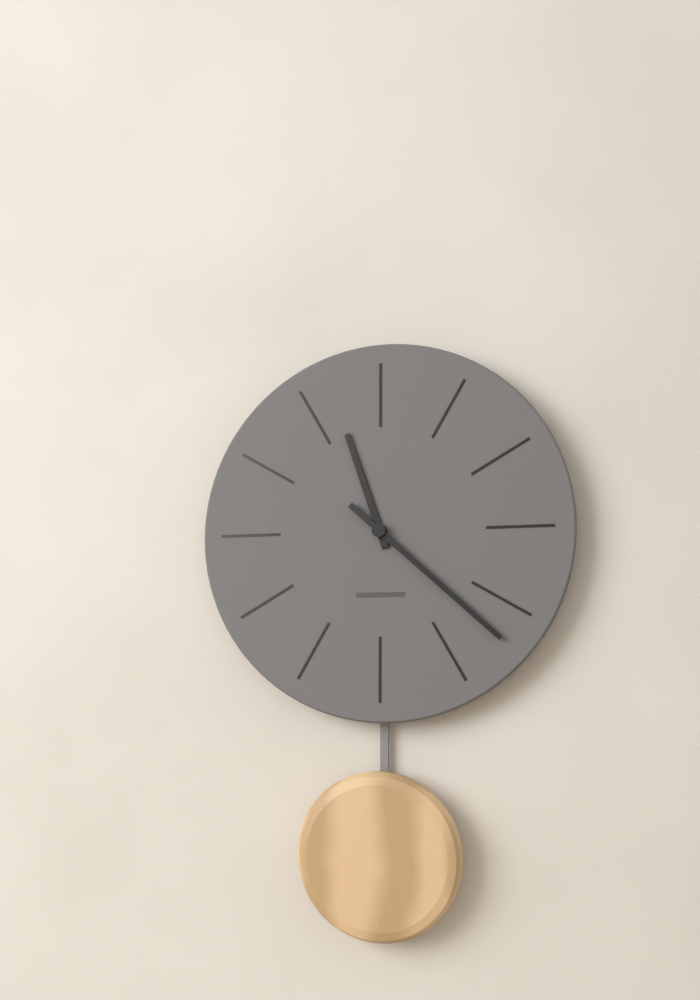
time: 11:22
